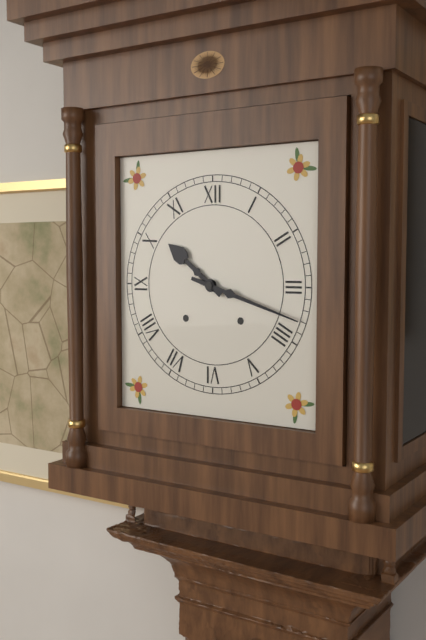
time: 10:18
